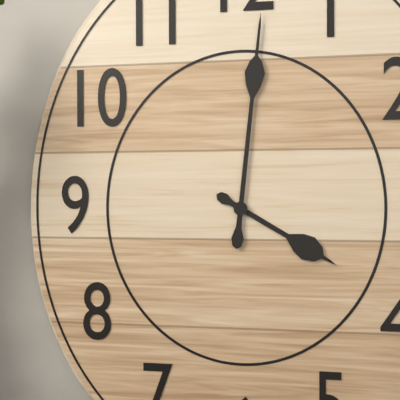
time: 4:01
